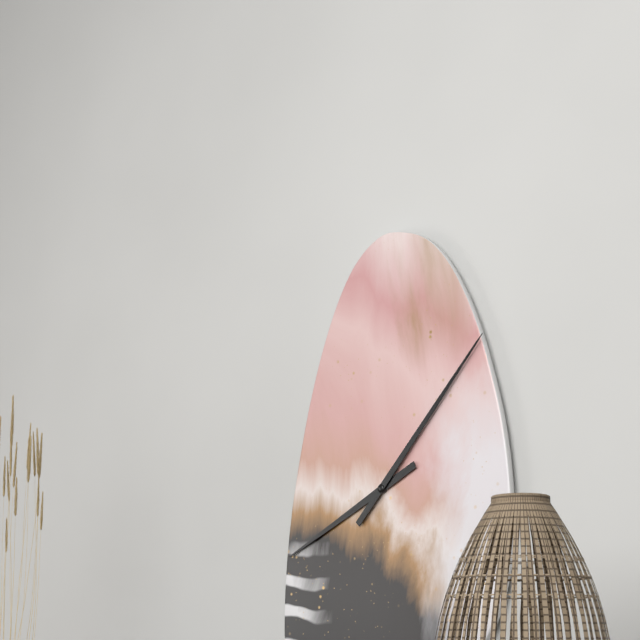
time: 8:07
